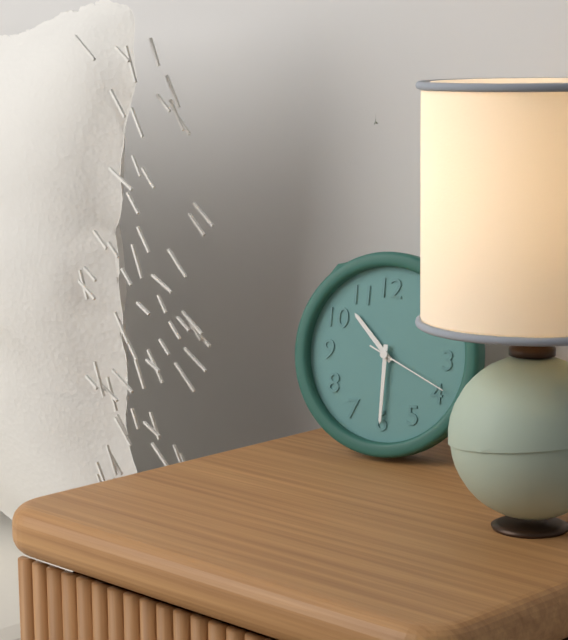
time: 10:30:19
